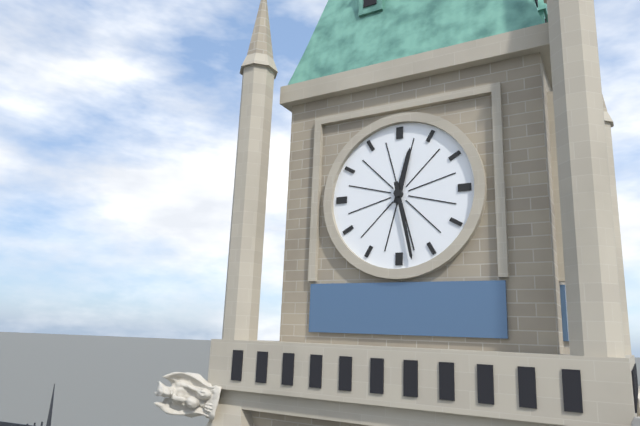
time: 12:28
